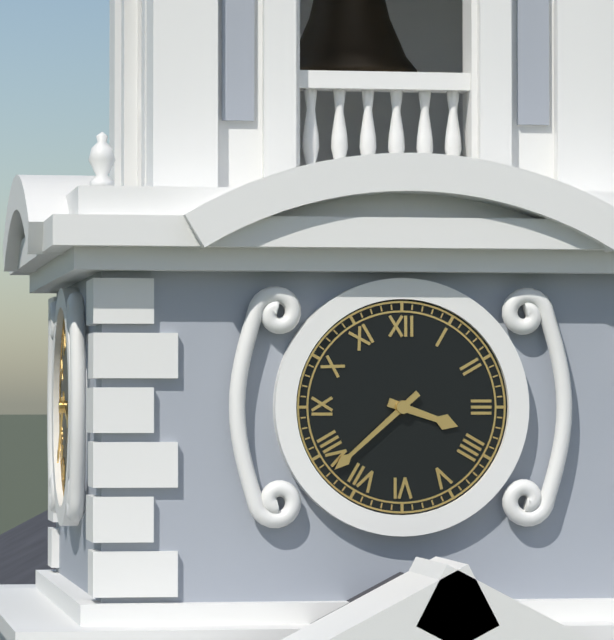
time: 3:38
